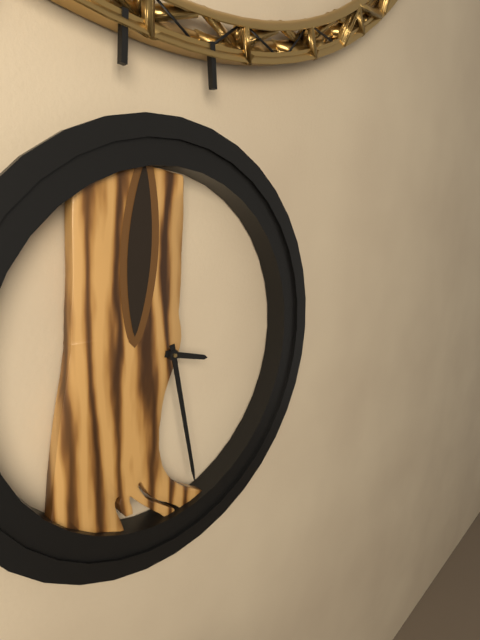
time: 3:28
